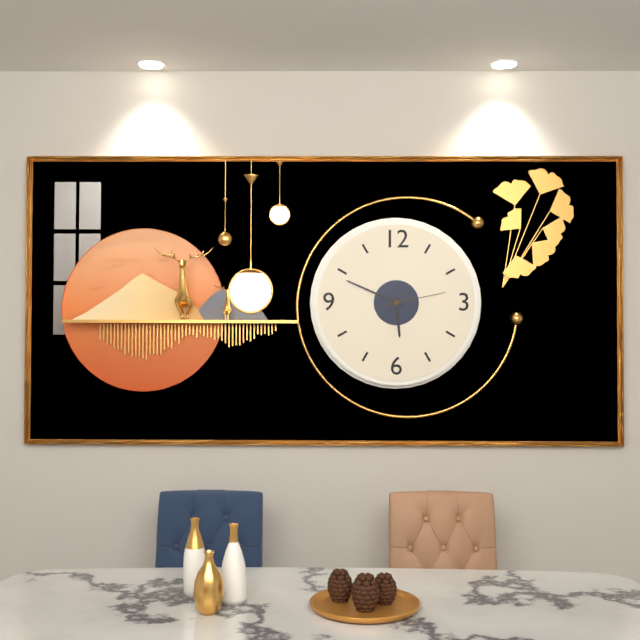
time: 5:49:13
